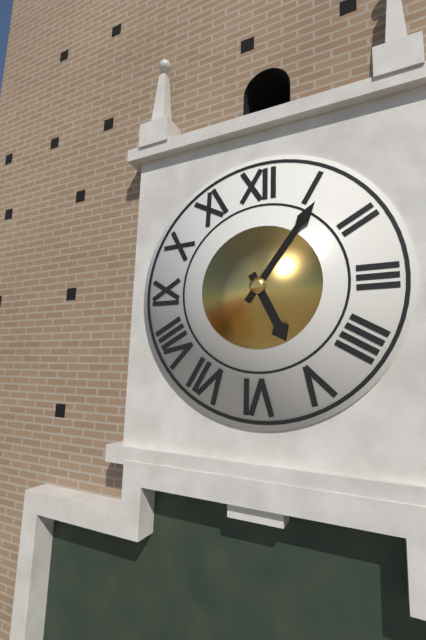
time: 5:06
